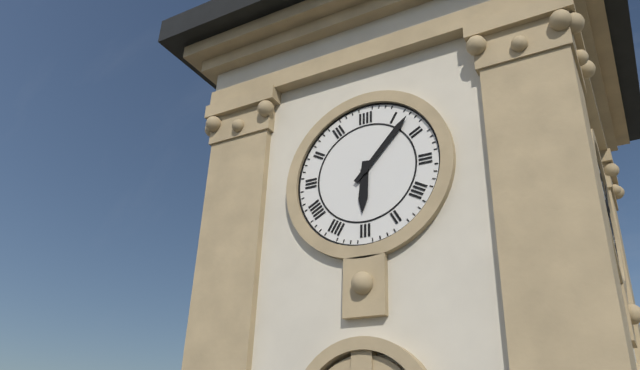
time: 6:07
